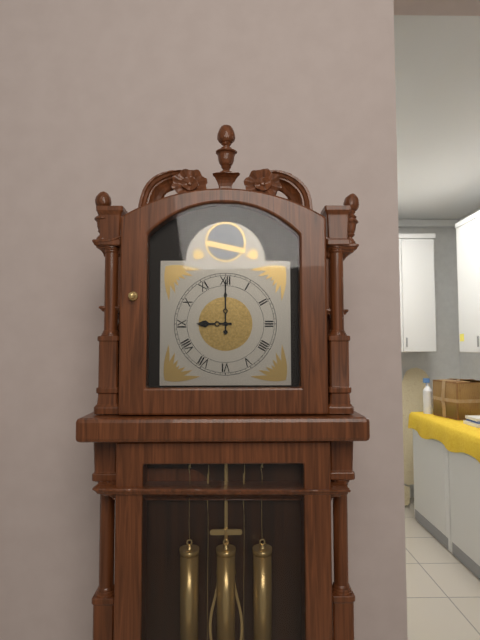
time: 9:00
